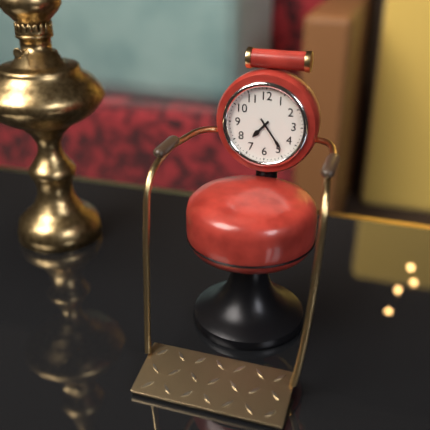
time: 7:24
